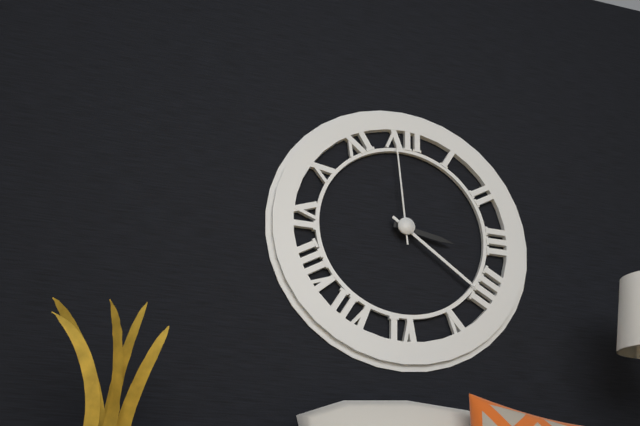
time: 3:21:59
